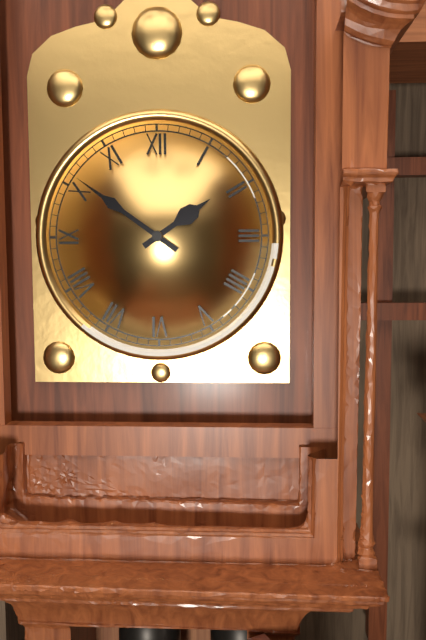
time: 1:51
